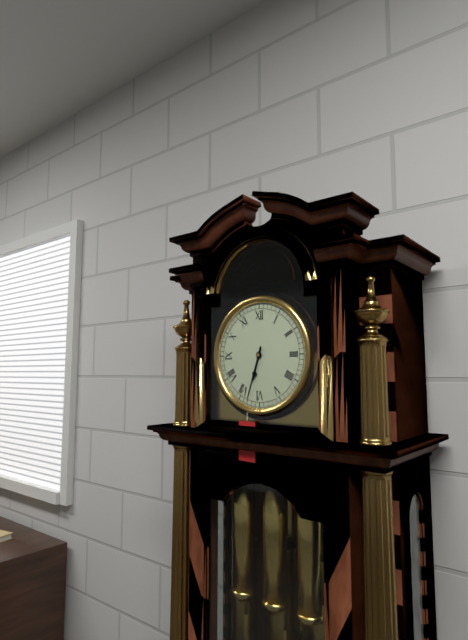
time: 6:33
